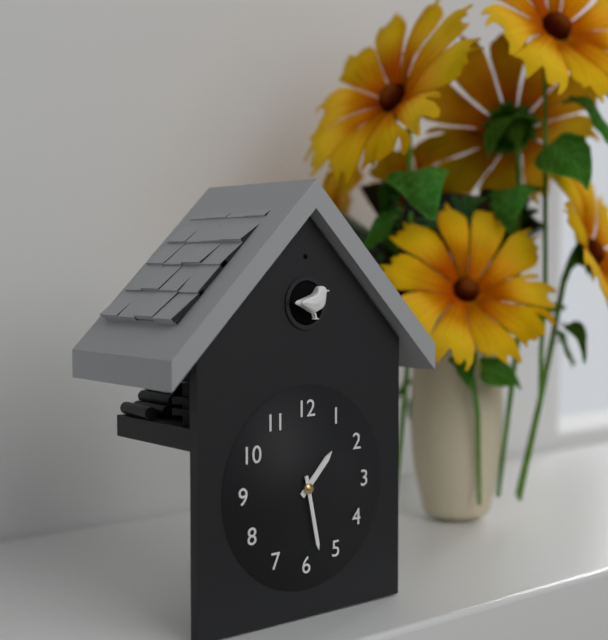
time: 1:28
